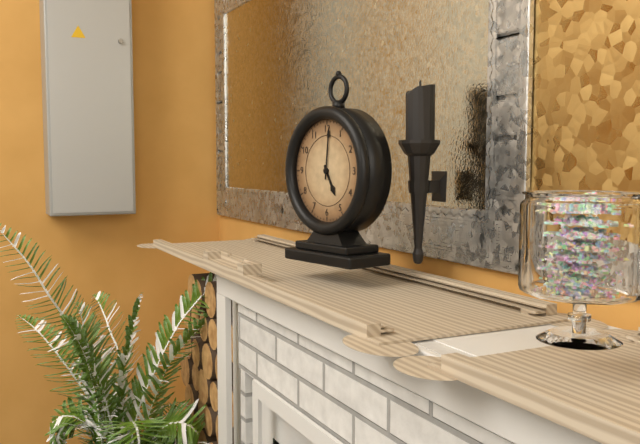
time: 5:01
